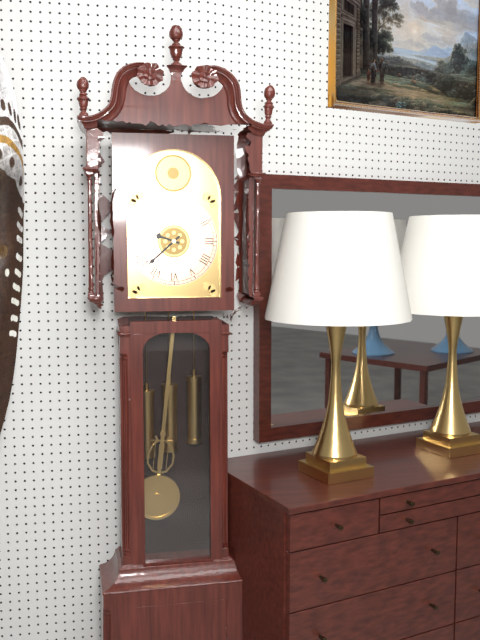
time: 9:38
